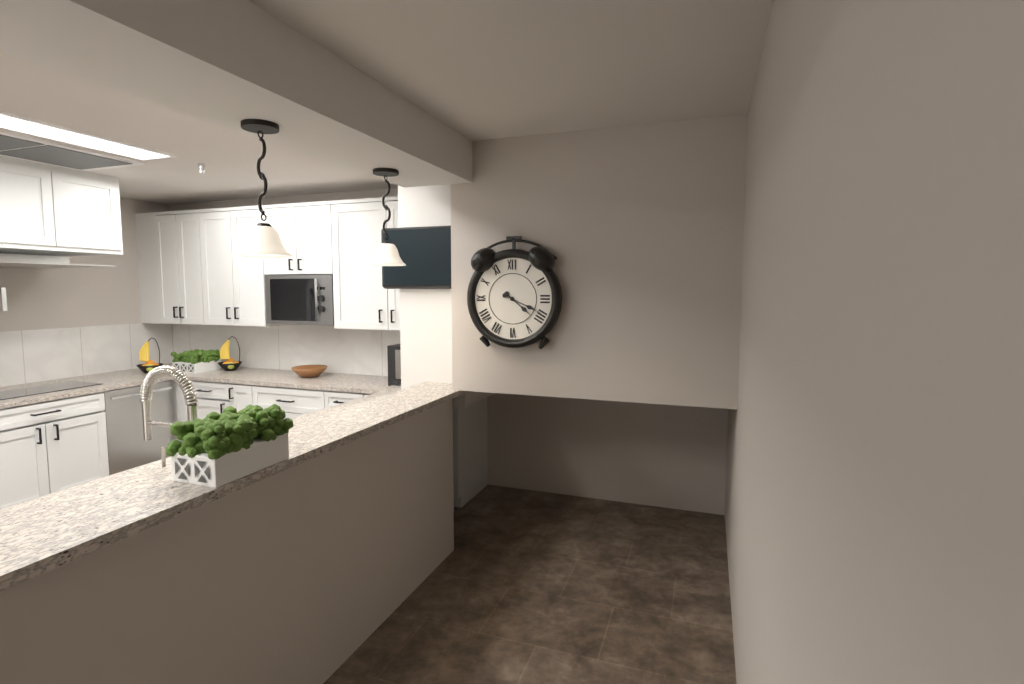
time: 4:19
